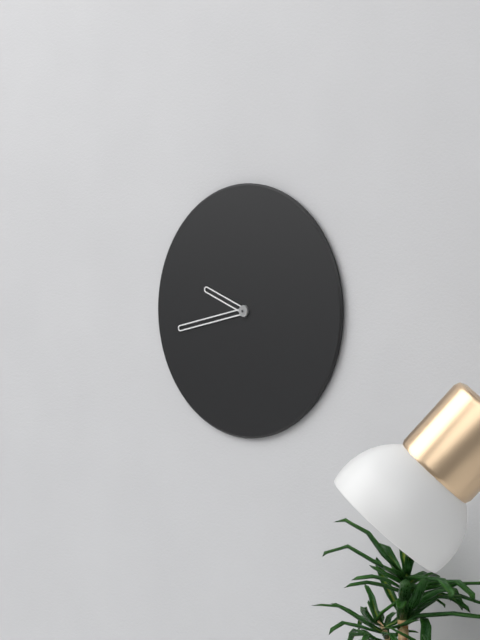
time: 9:43
